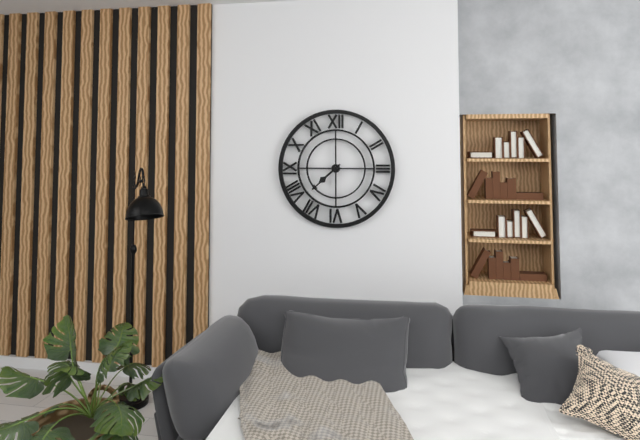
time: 7:38
